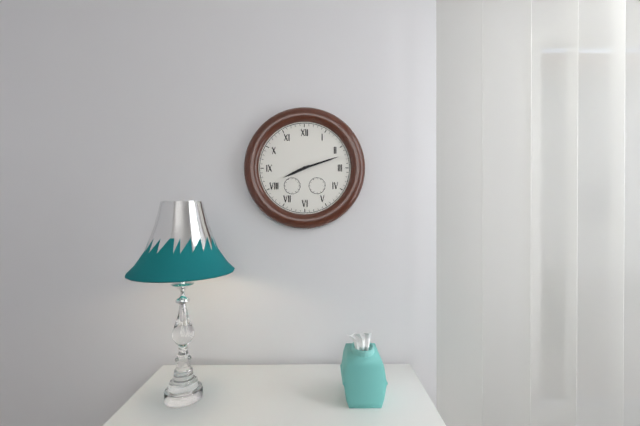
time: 8:12
